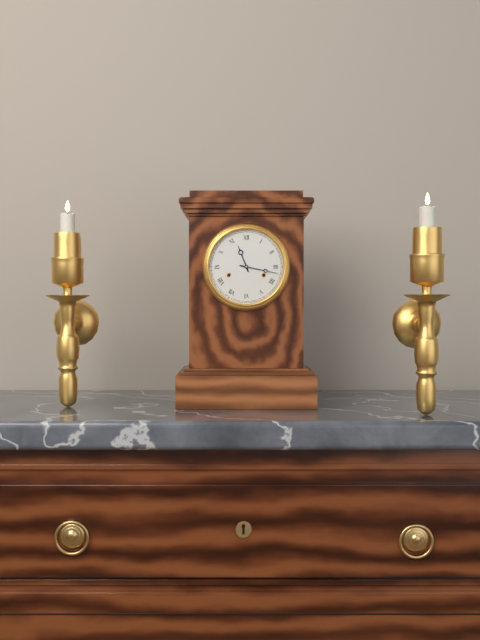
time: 11:17
